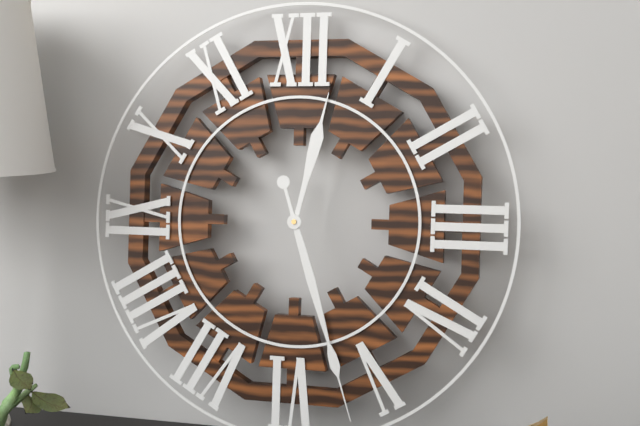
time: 12:27
